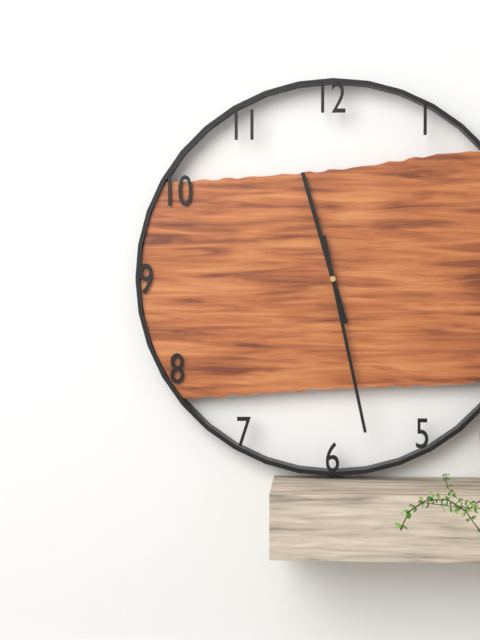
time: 11:28
